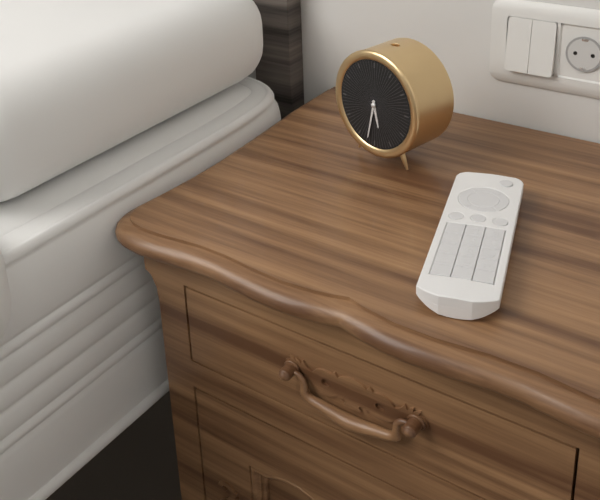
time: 5:32
